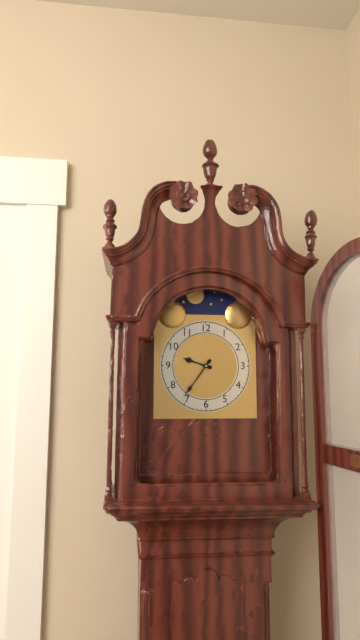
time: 9:36
